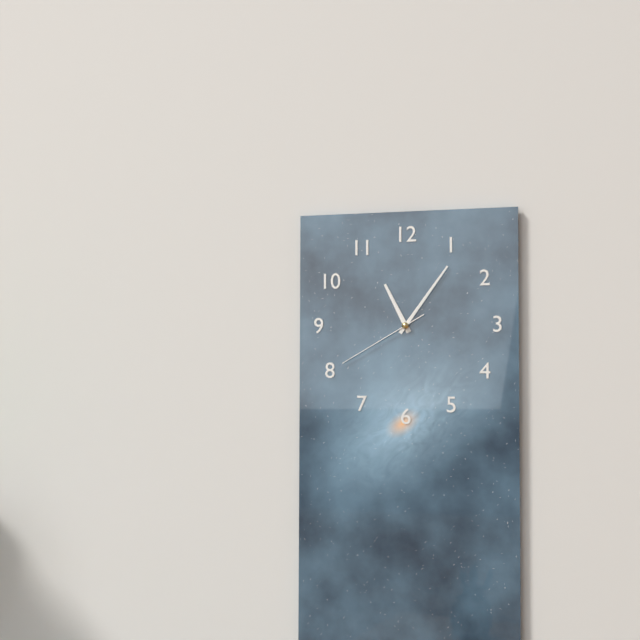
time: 11:06:40
